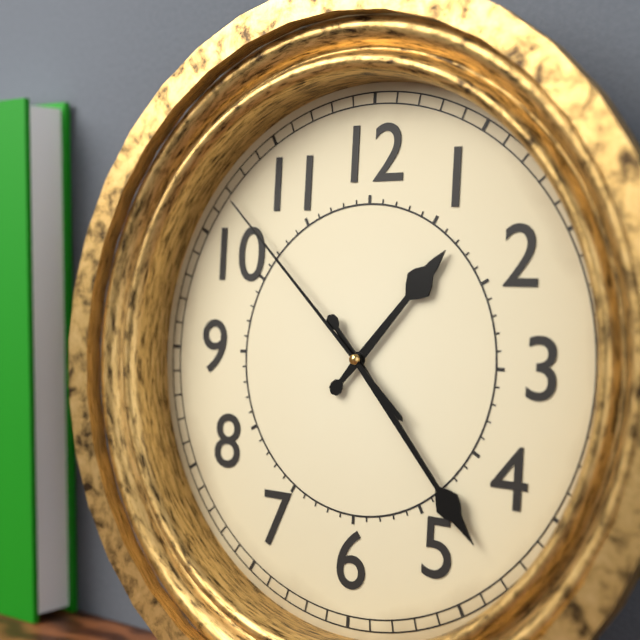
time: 1:23:52
